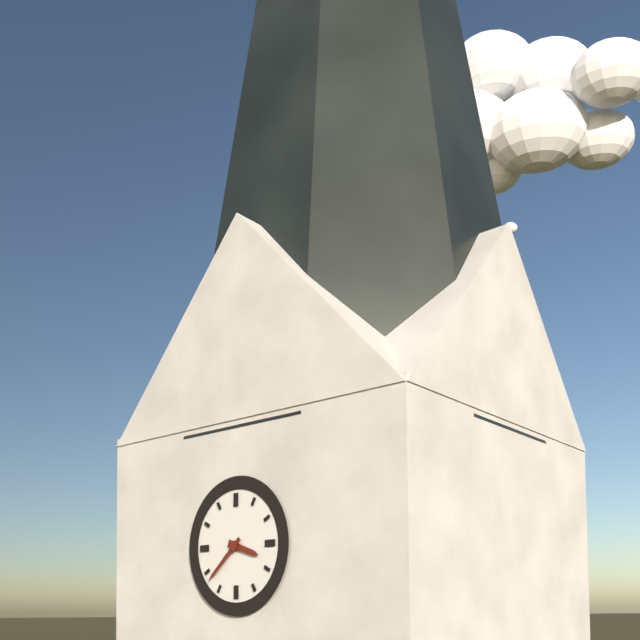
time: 3:38
